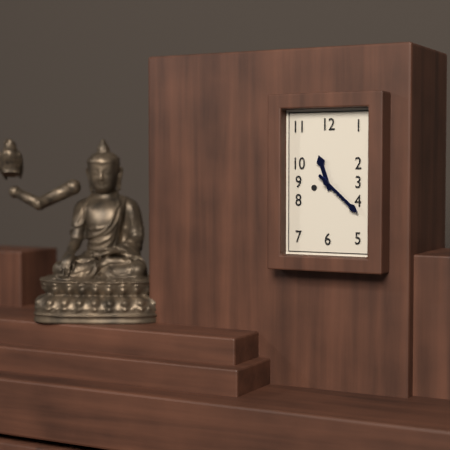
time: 11:22
